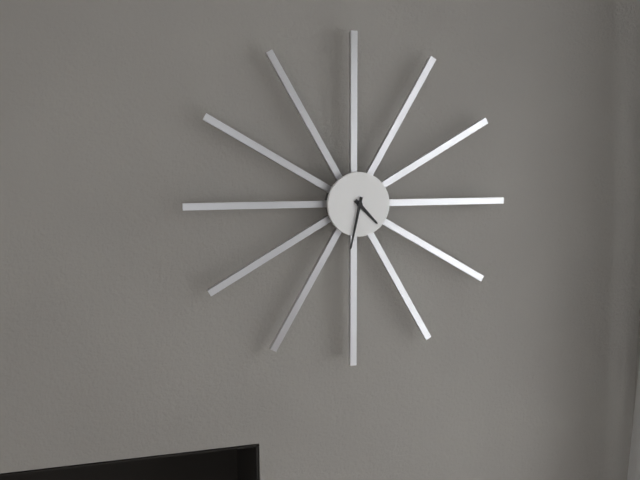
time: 4:32
